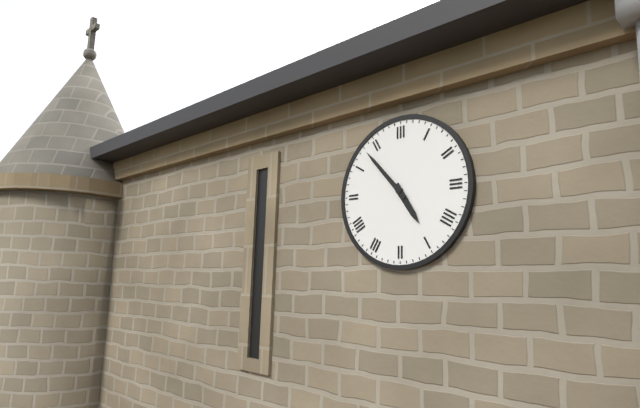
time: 4:53
